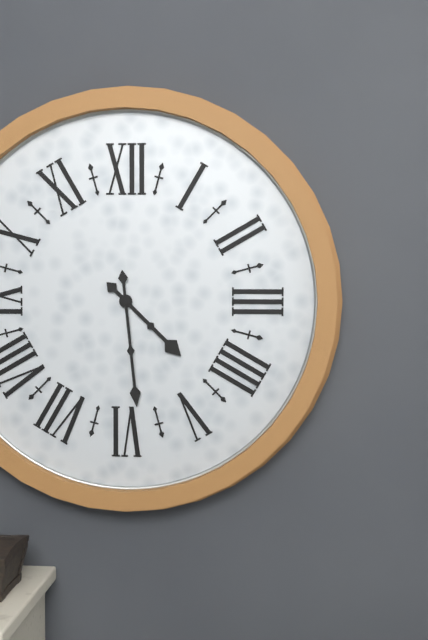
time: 4:29
